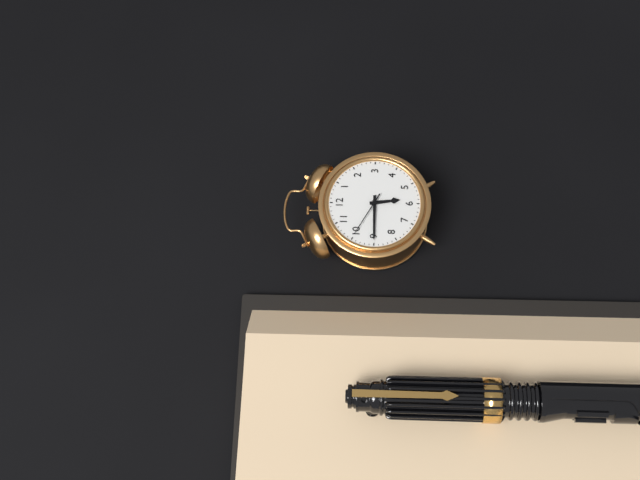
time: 5:45
